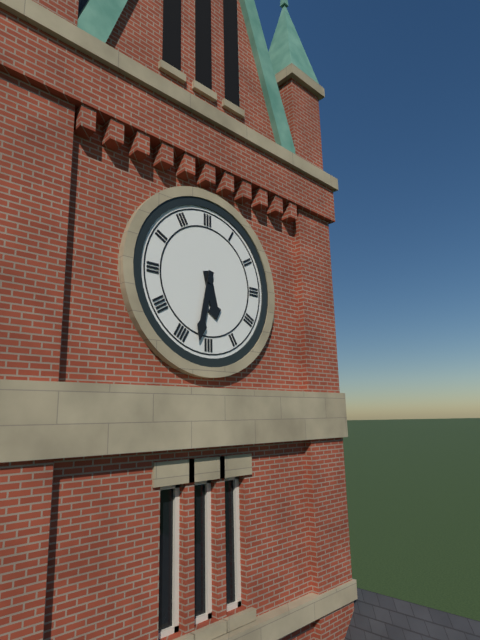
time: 5:32
